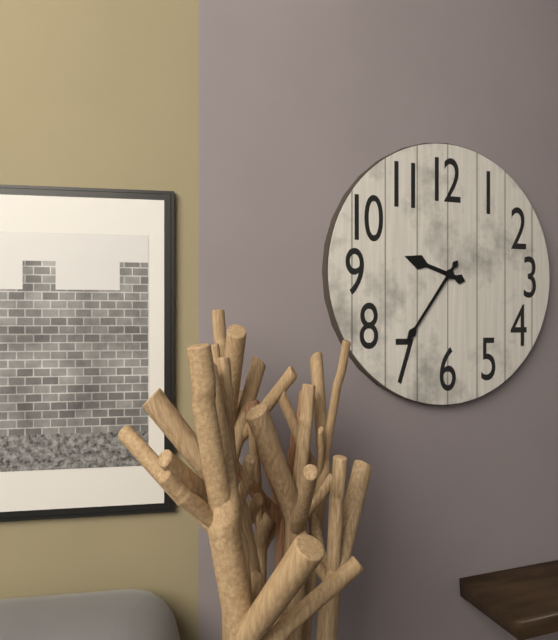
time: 9:36
